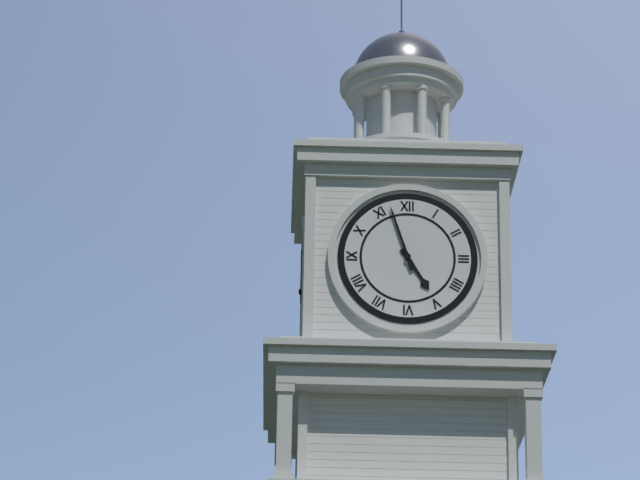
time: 4:57
